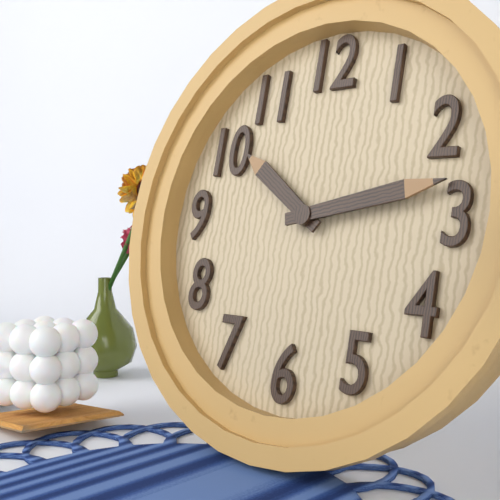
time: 10:13
